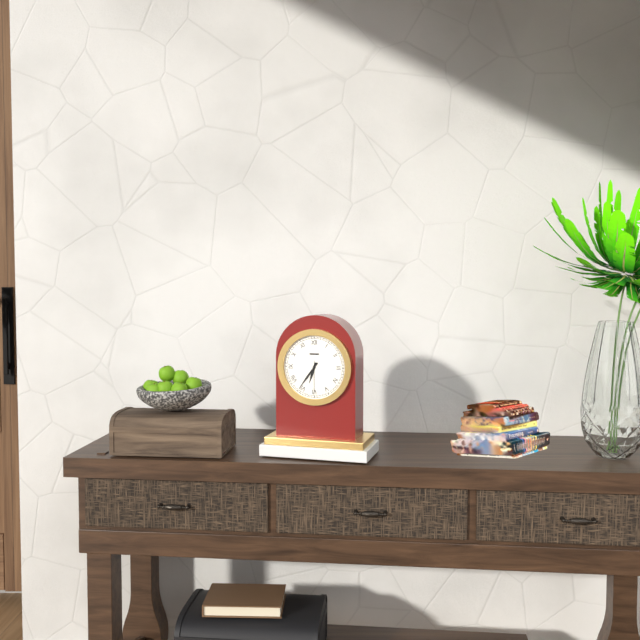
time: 6:36
